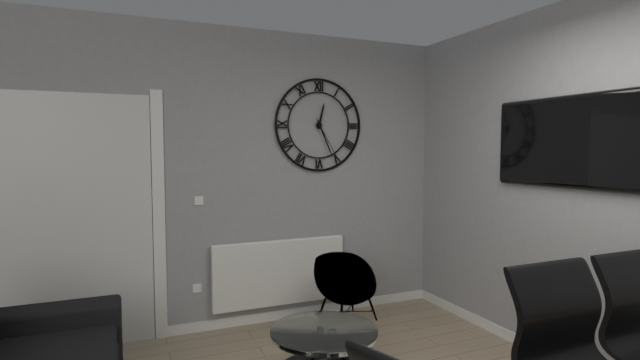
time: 12:26
